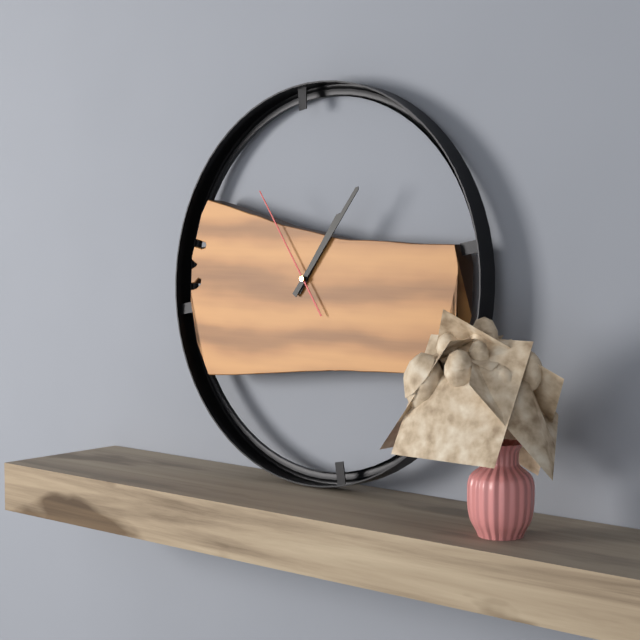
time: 1:06:54
